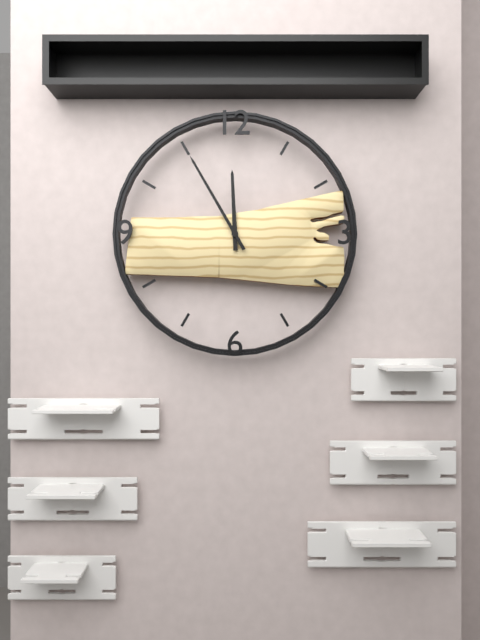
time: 11:55
